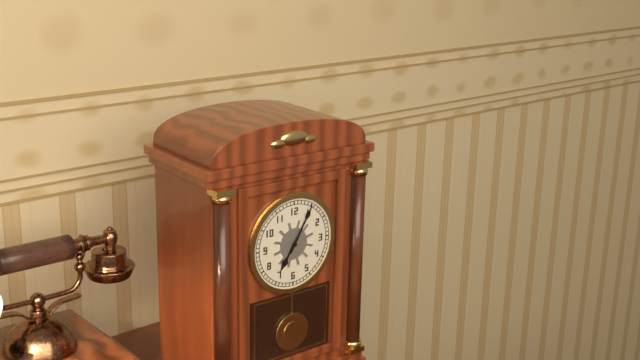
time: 7:05
